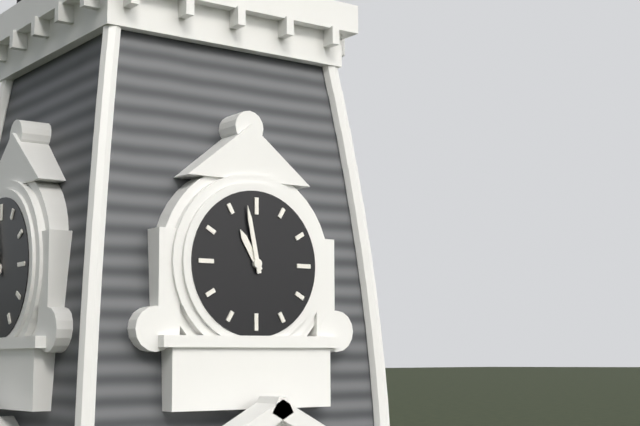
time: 10:58
